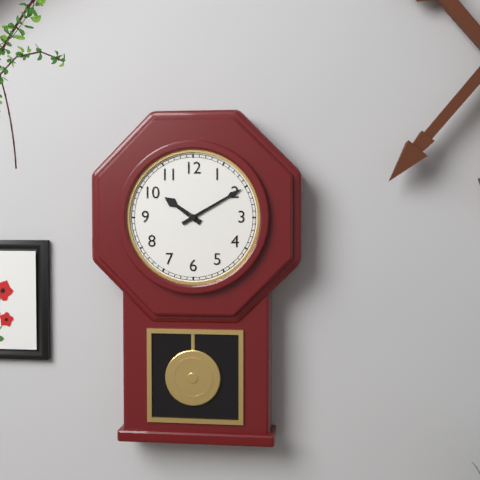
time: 10:10
